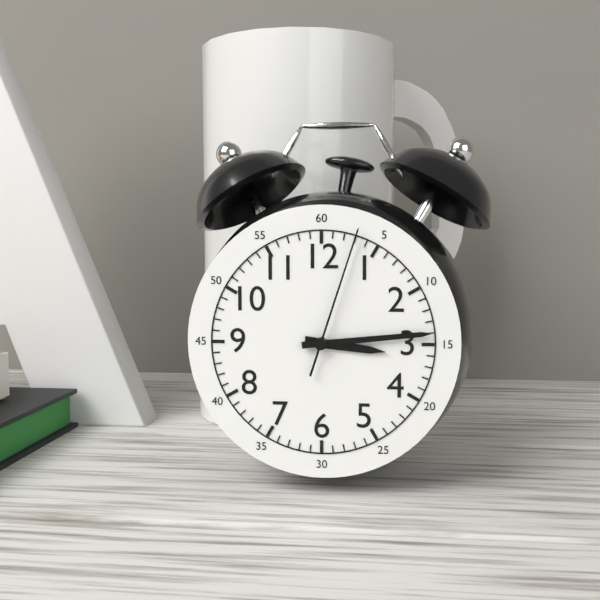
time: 3:14:03
